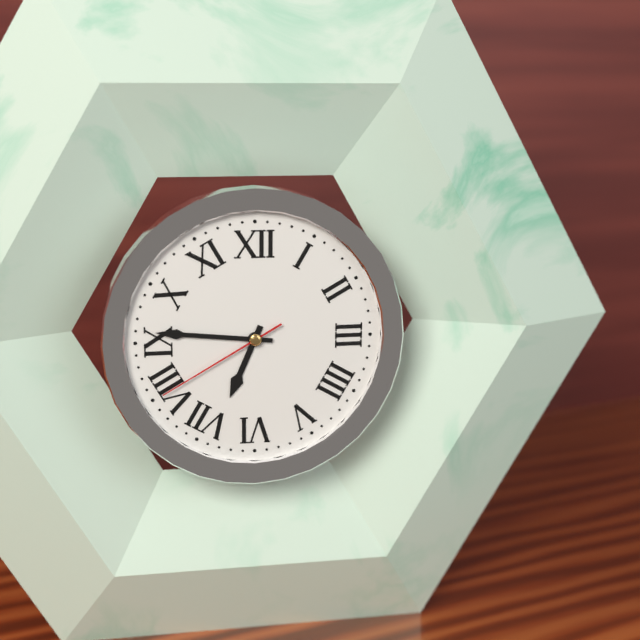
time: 6:46:40
